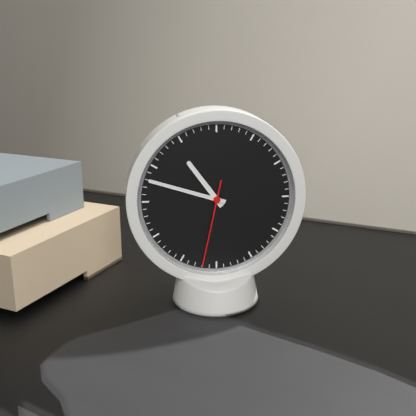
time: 10:48:32
